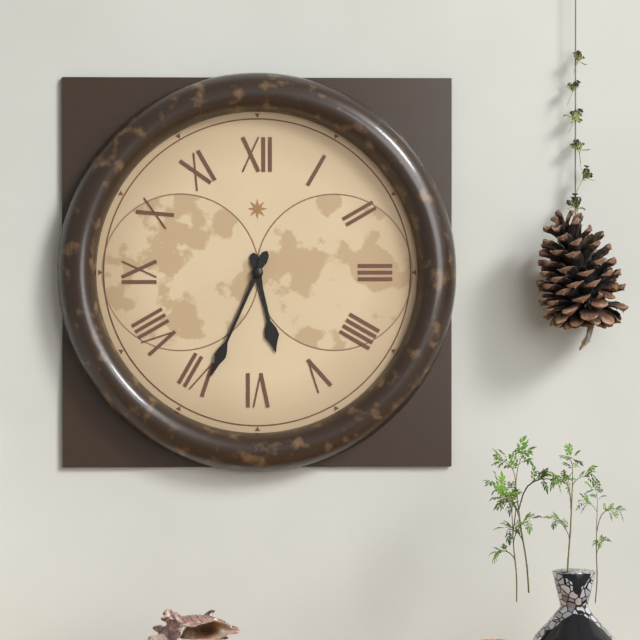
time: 5:34
